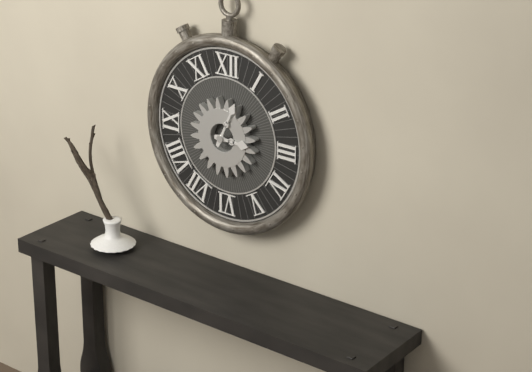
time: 3:04
